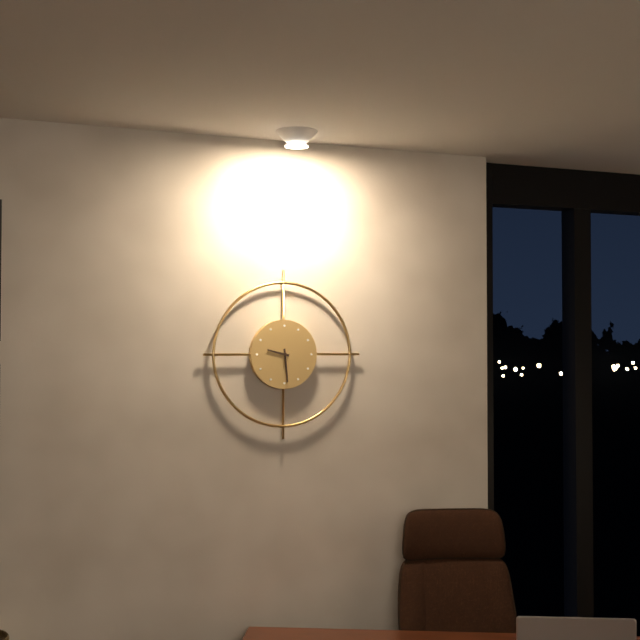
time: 9:29
